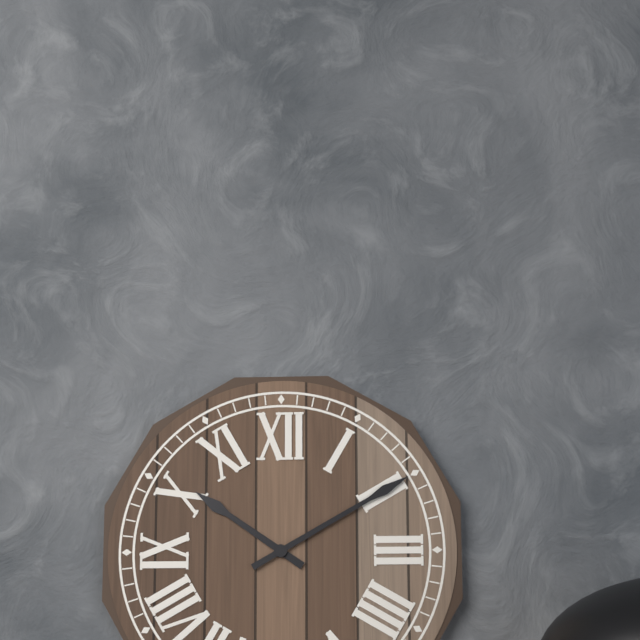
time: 10:10
